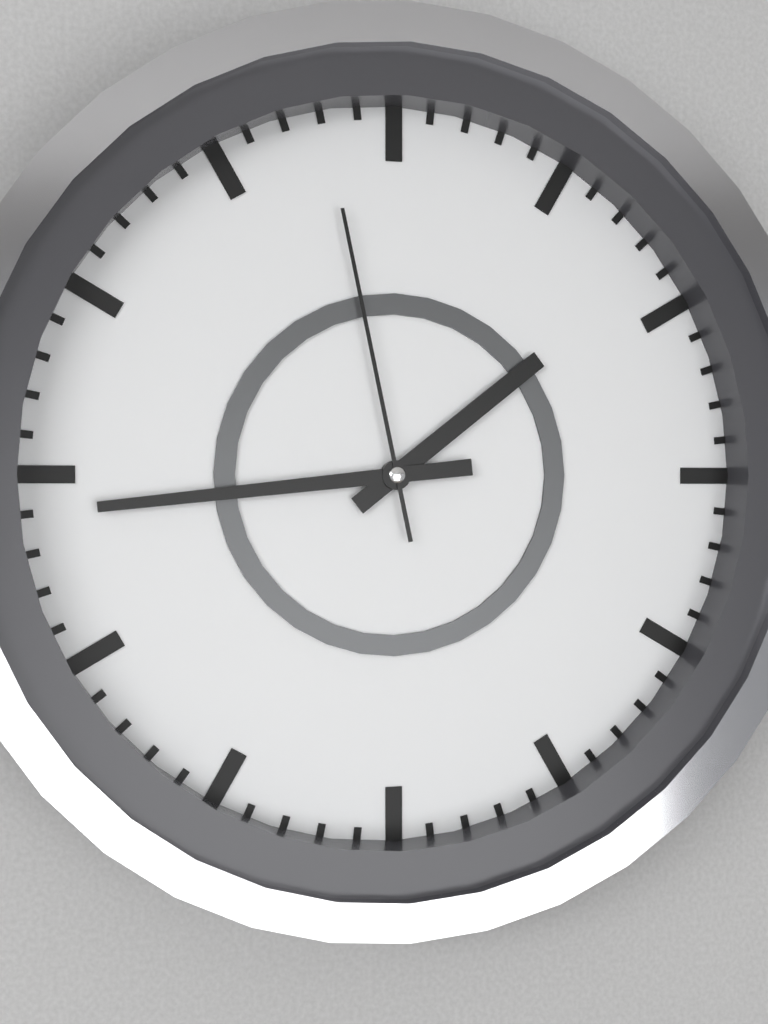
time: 1:44:58
